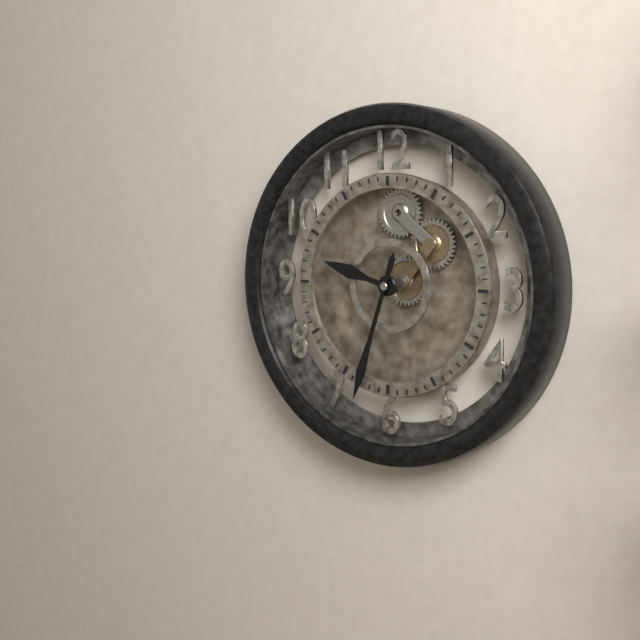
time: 9:33
